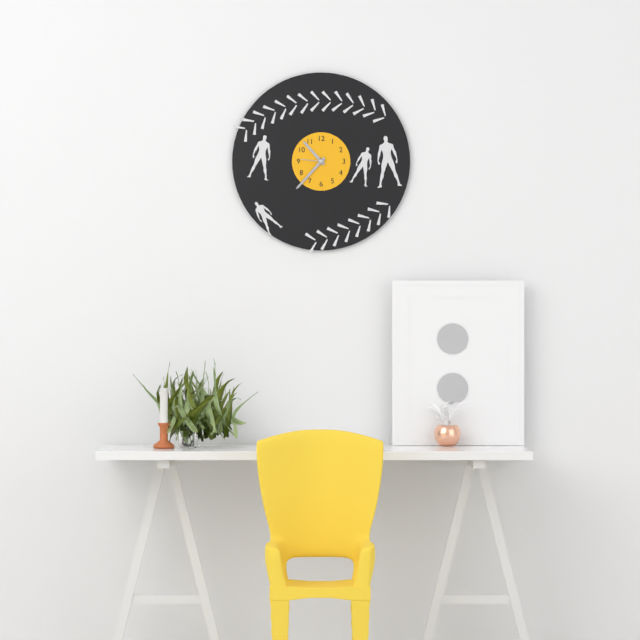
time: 10:37
